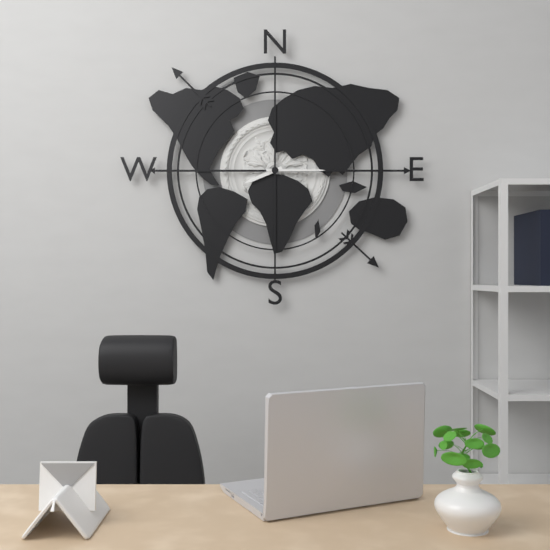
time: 8:15
